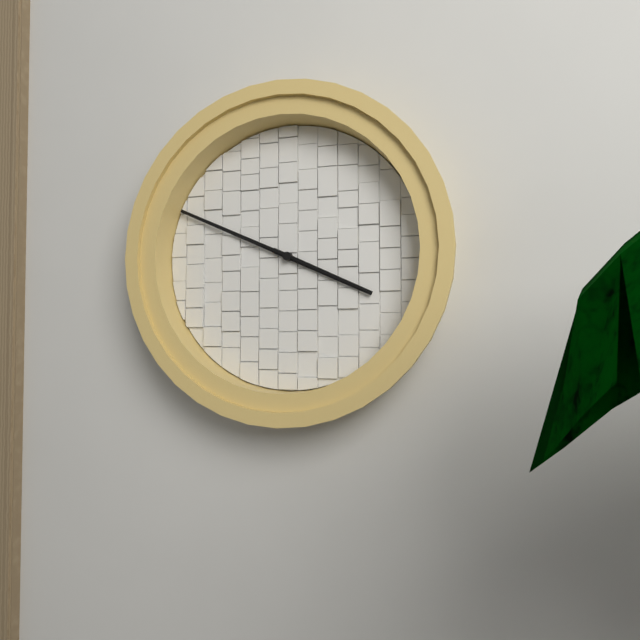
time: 3:49:19
